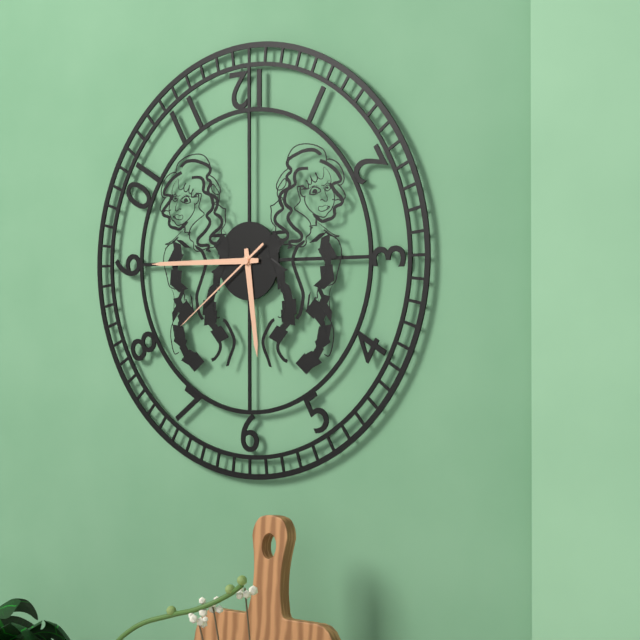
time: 5:45:39
